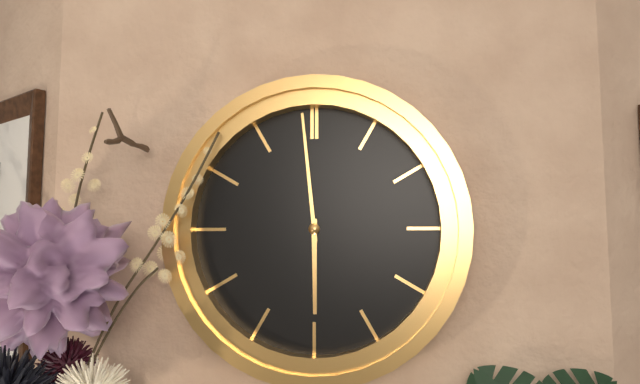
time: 5:59
